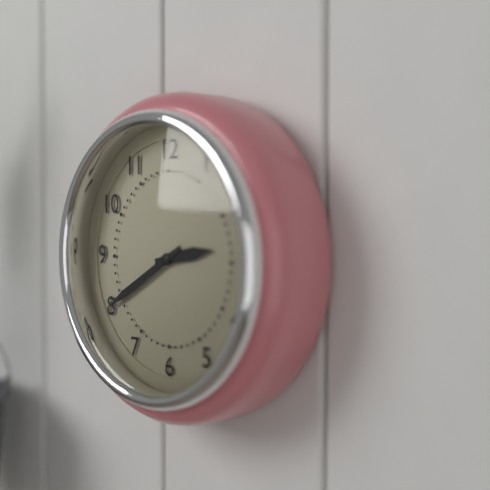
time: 2:40
